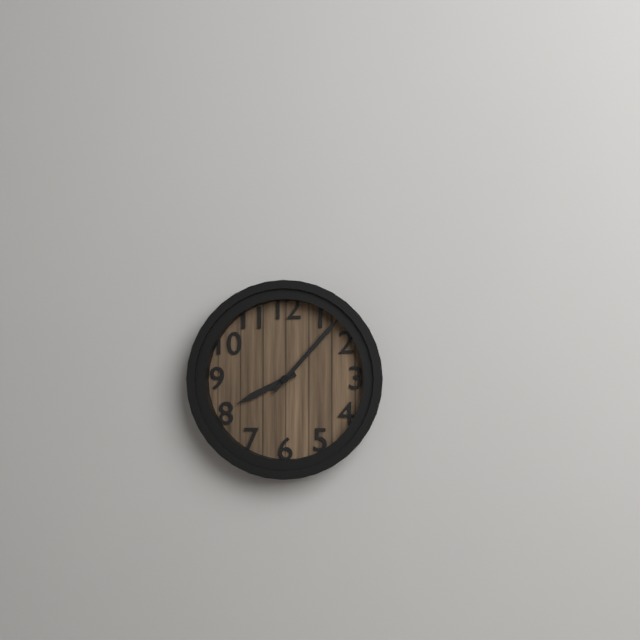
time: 8:07
